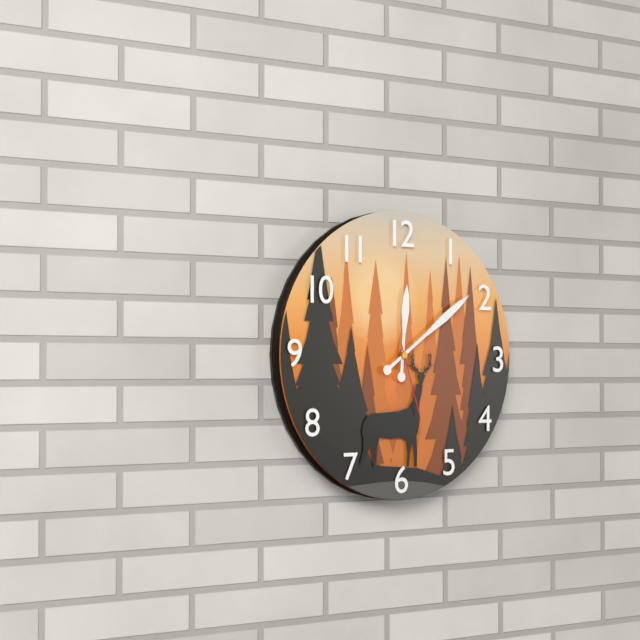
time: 12:09:27
